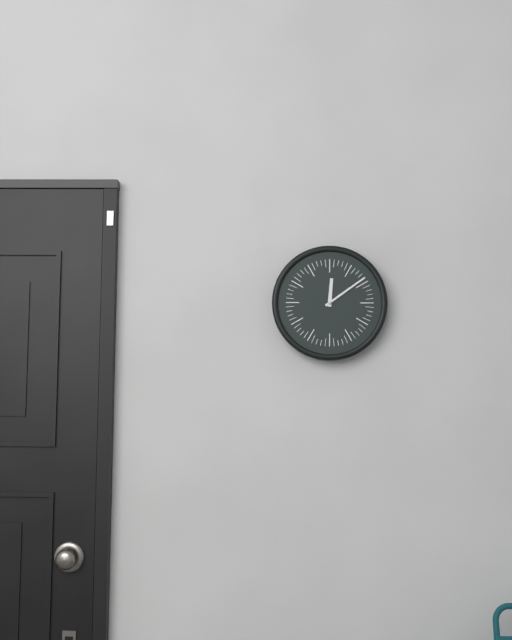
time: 12:09
